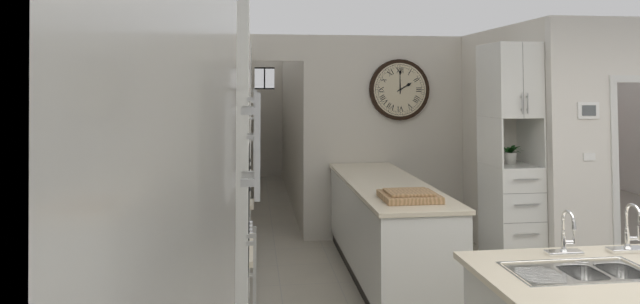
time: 2:00
